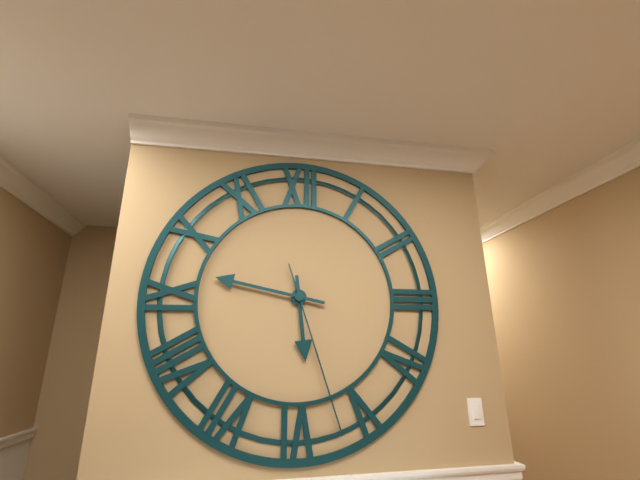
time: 5:47:27
